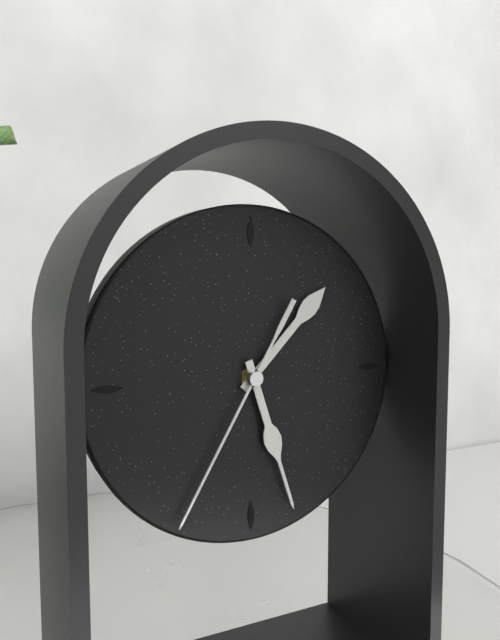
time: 1:27:35
